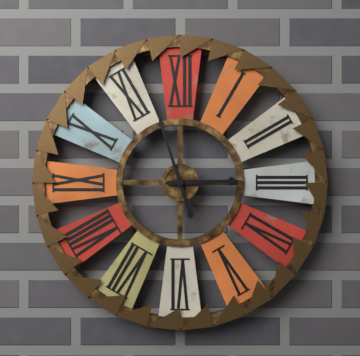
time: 2:57
